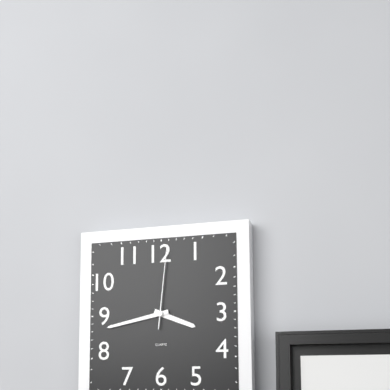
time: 3:43:01
